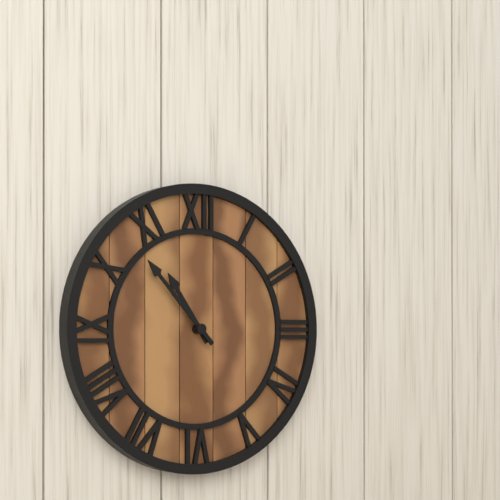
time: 10:53
